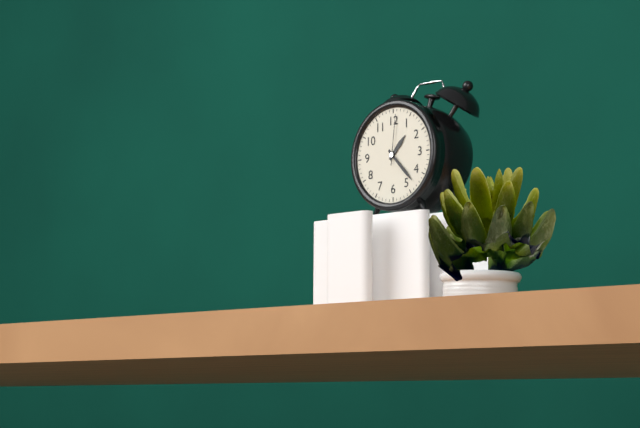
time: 1:23:01
